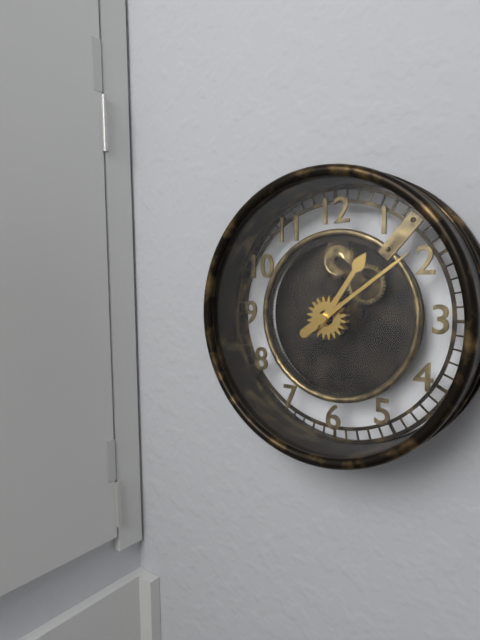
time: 1:09
